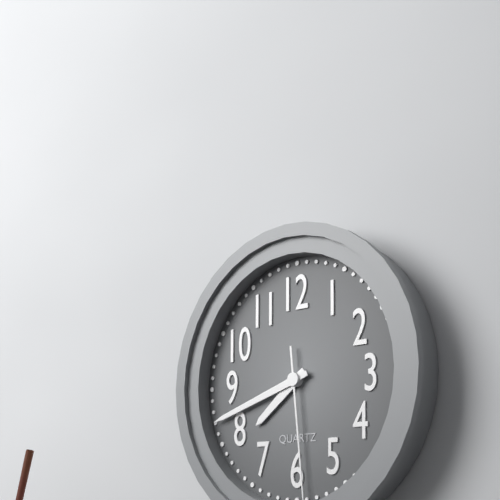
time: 7:42
